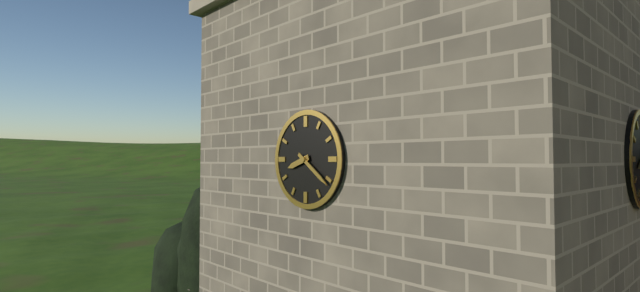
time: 8:21
